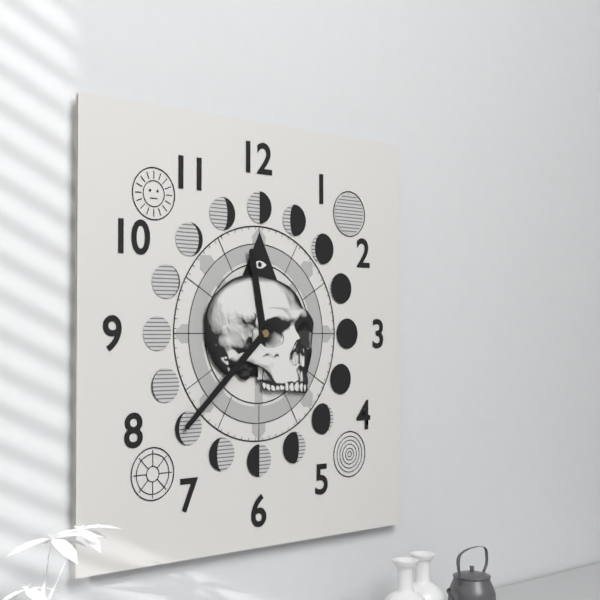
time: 11:38
